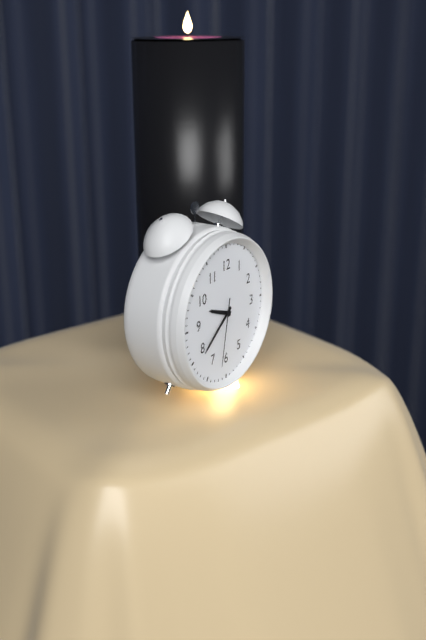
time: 9:39:32
